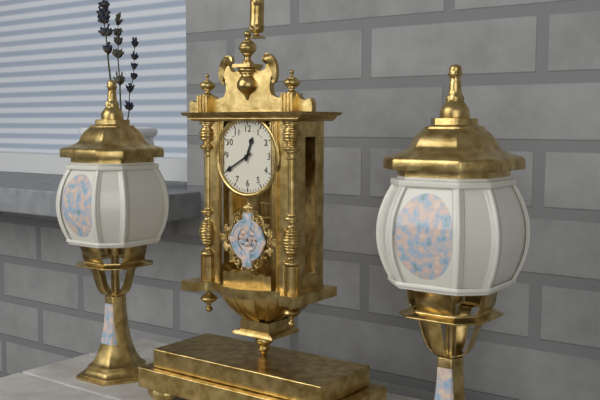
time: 12:40
